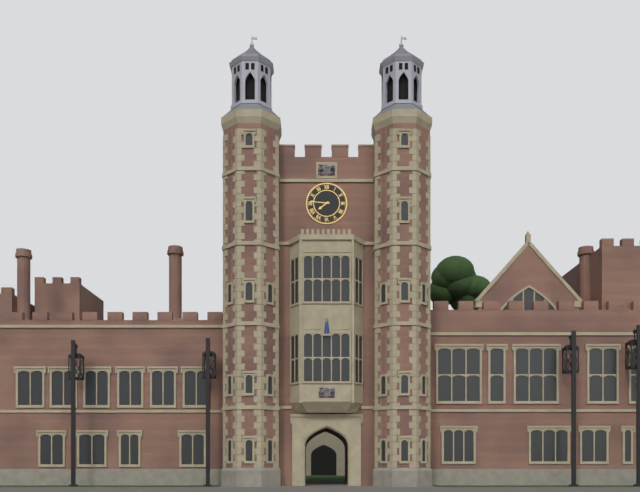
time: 7:46
